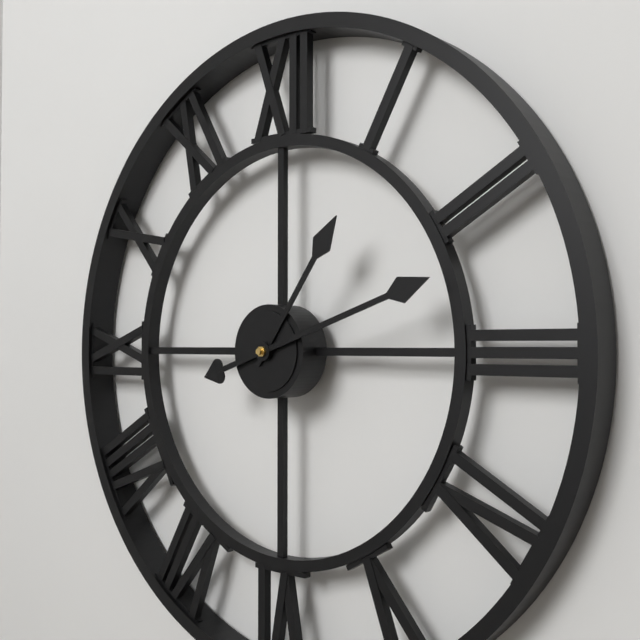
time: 1:12
